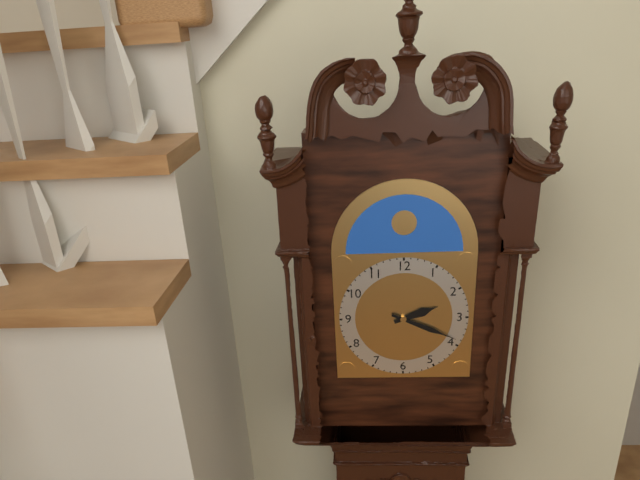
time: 2:19
